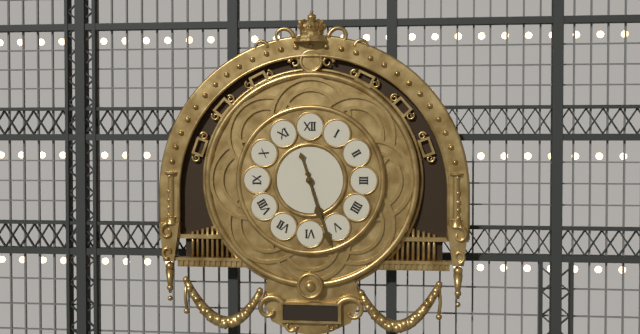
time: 5:27
